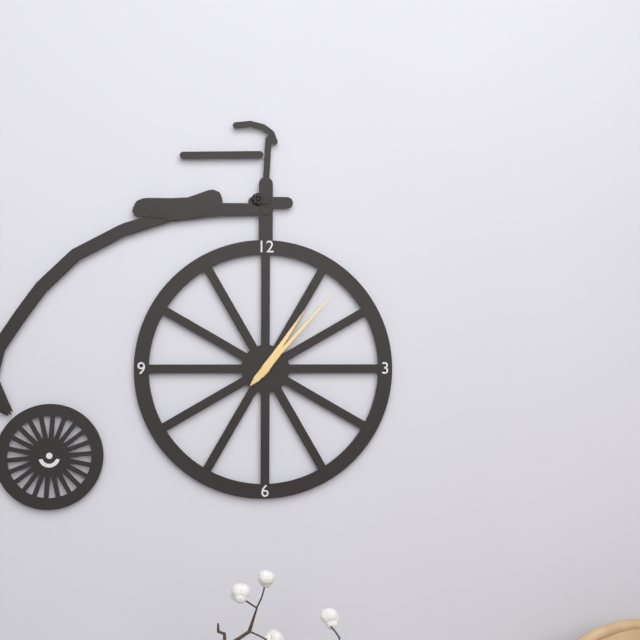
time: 1:07
